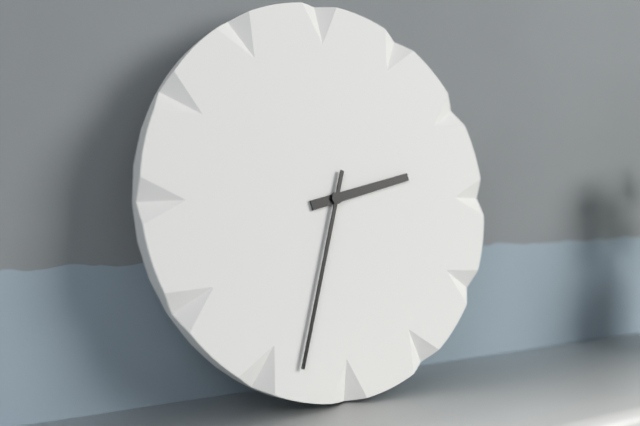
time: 2:33
